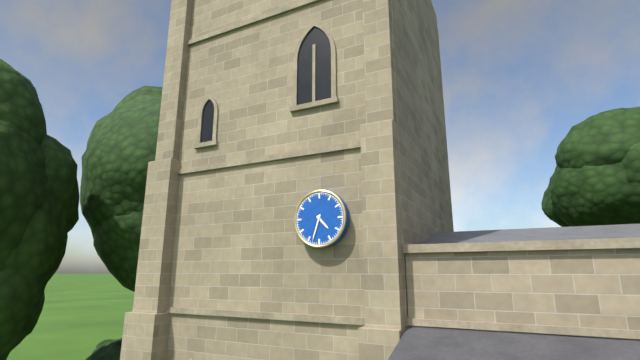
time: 4:33
